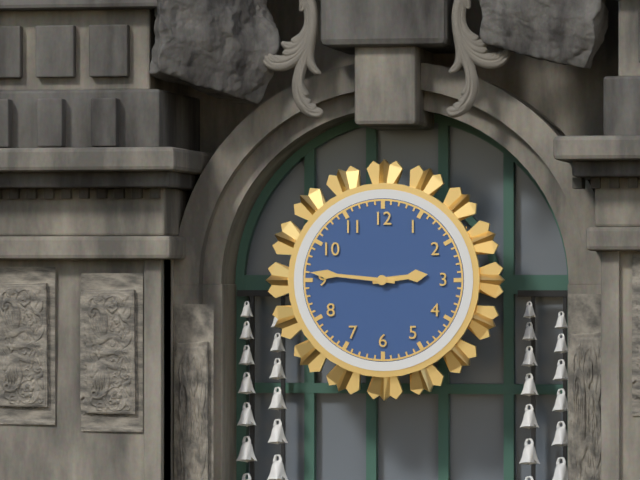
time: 2:46
